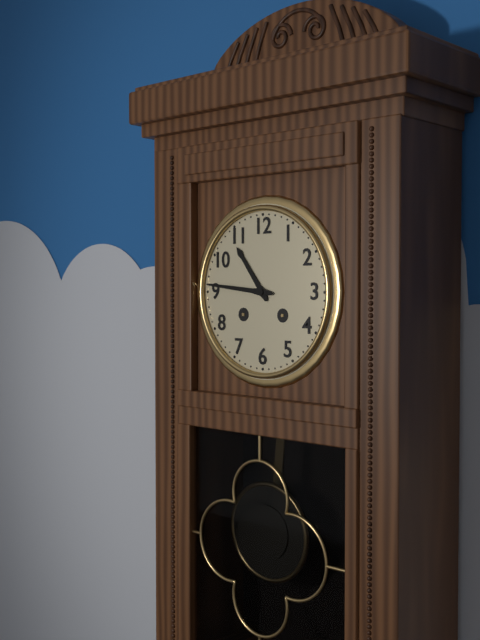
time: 10:46
